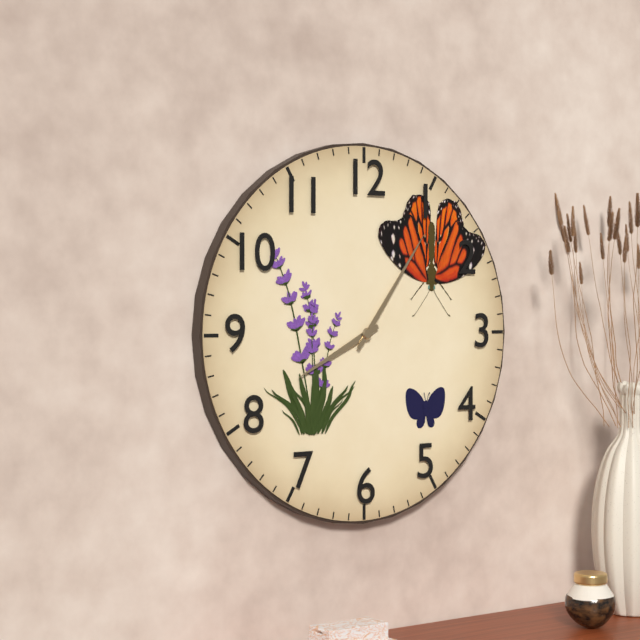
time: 8:06
